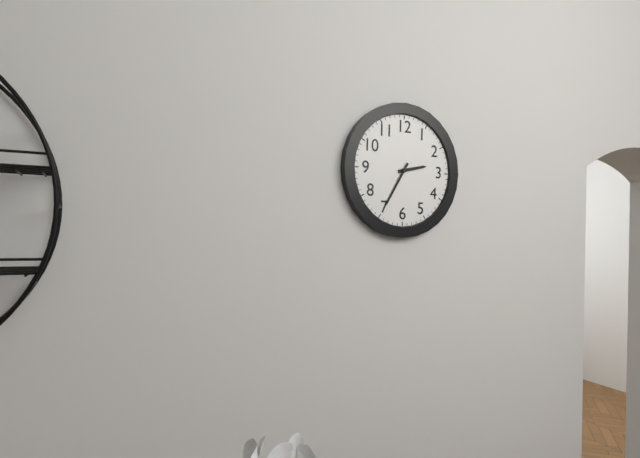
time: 2:35
